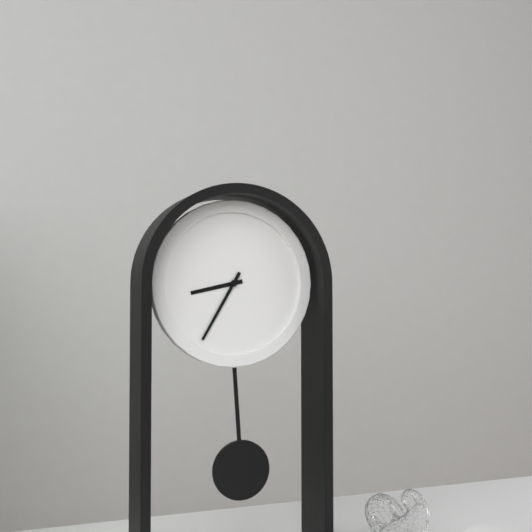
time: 8:35
